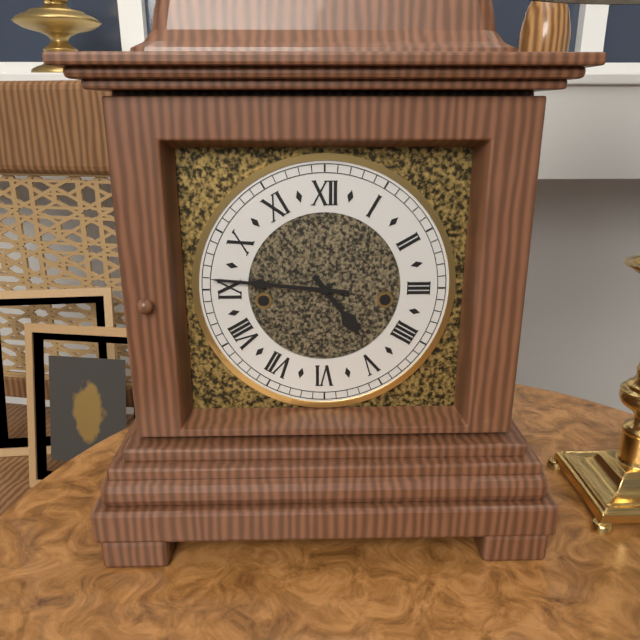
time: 4:46
